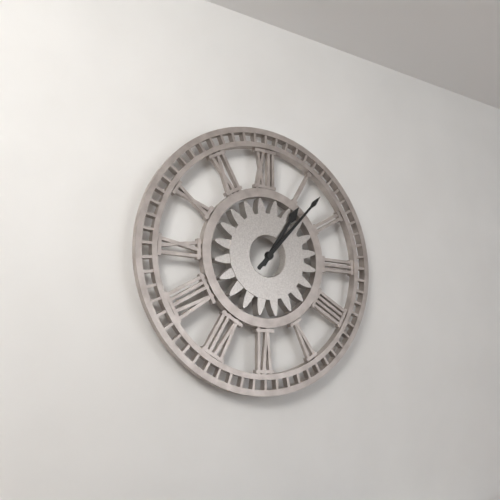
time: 1:07
